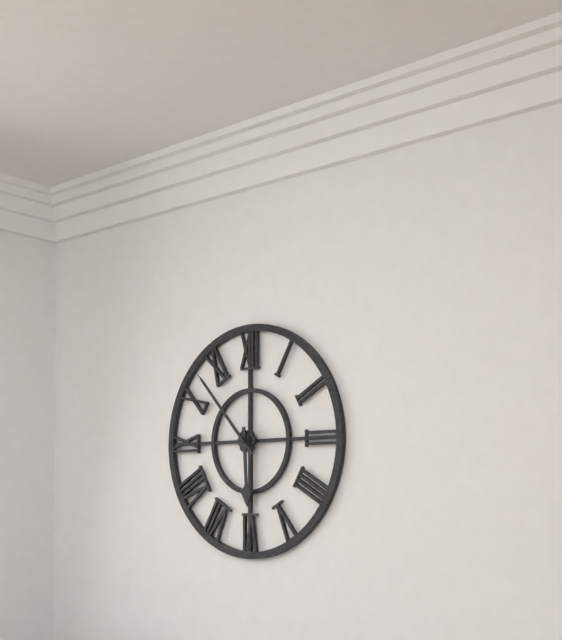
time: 5:53
